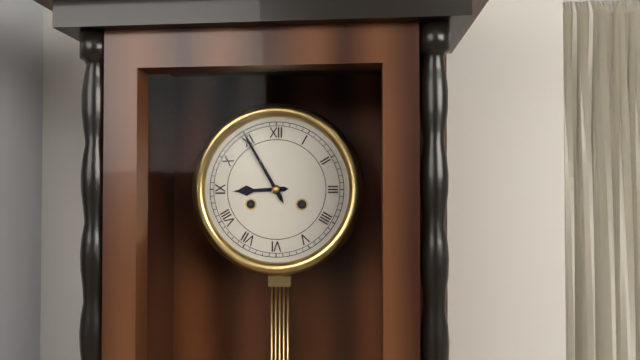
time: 8:55
